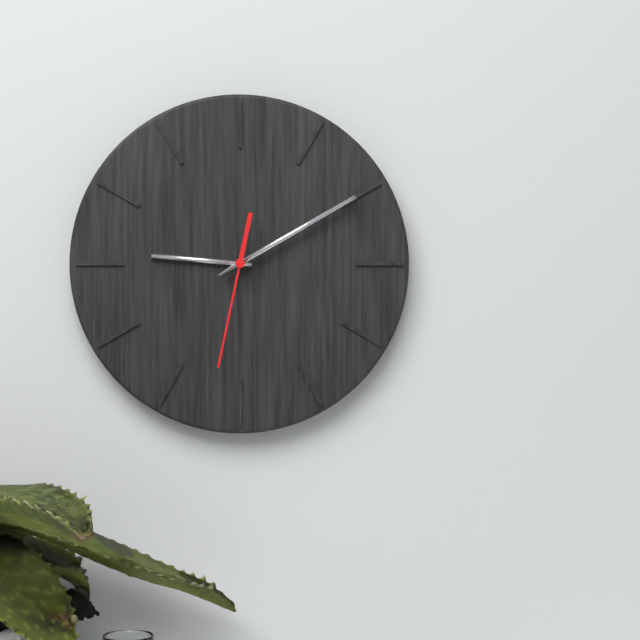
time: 9:10:32
